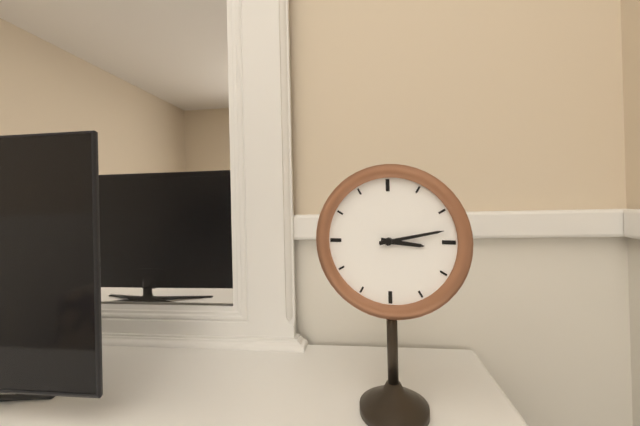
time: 3:13
